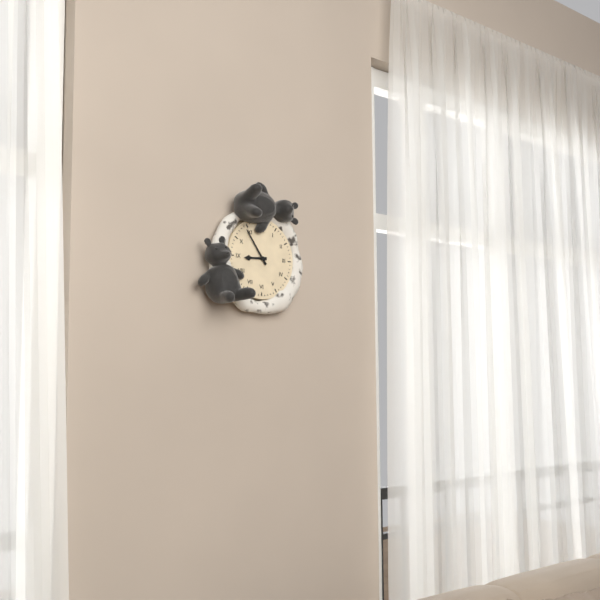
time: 8:54
